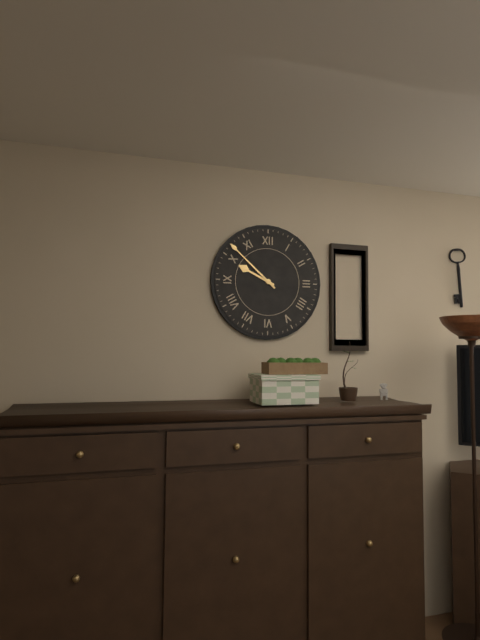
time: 9:52
